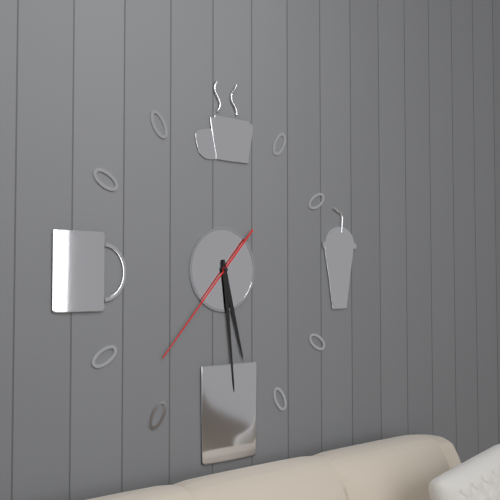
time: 5:29:37
